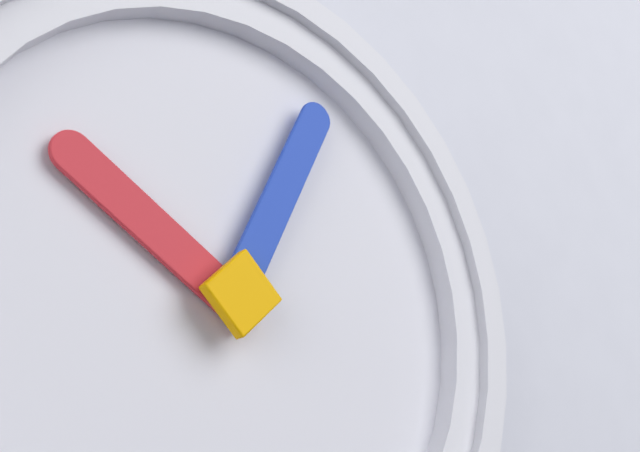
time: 10:04
